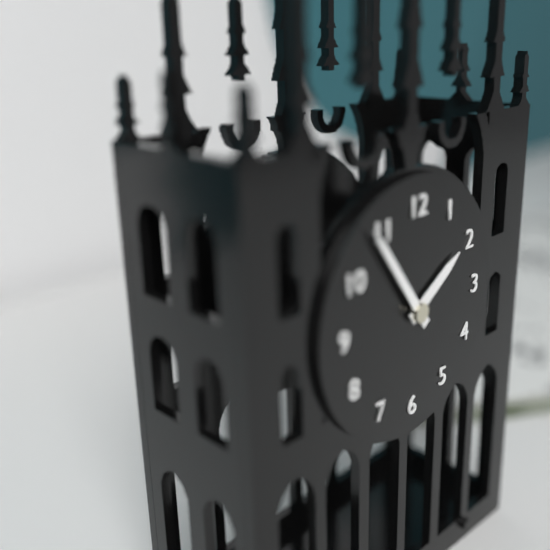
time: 1:54
